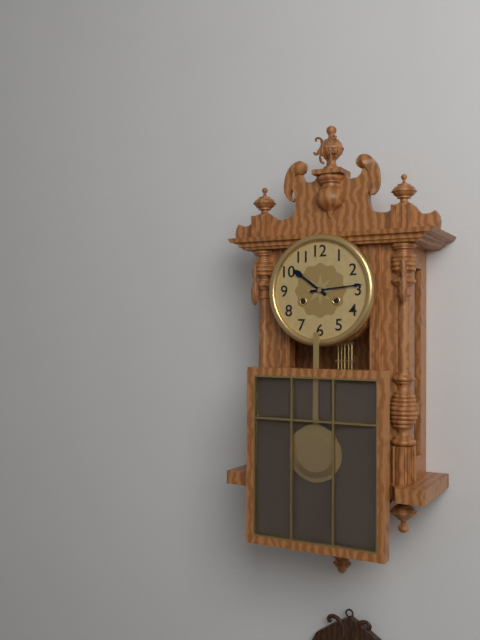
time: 10:14
